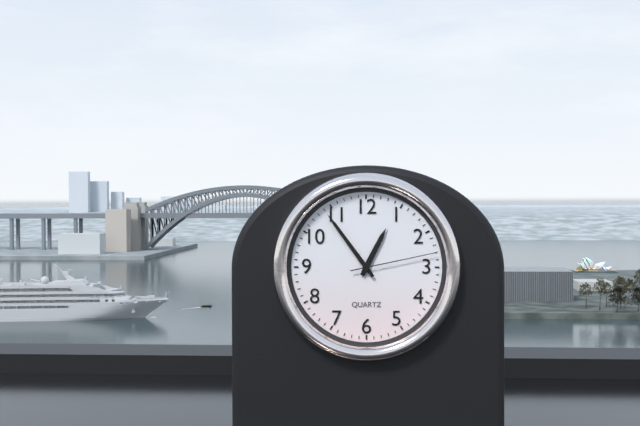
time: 12:54:13
